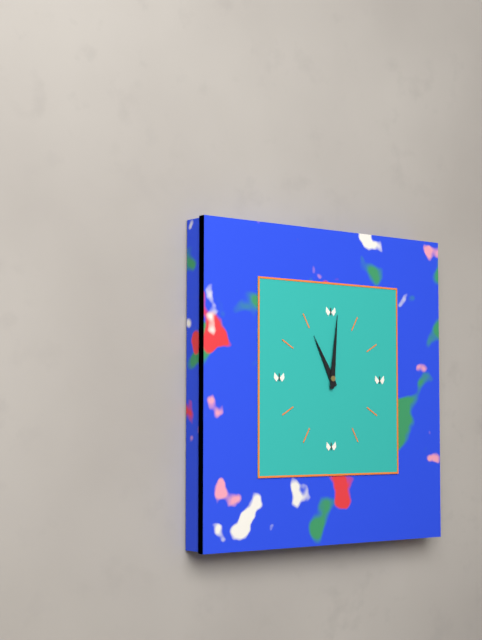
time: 11:01
